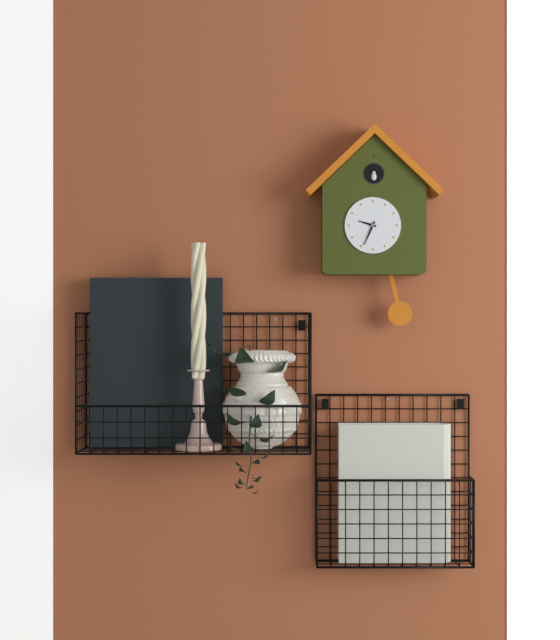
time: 9:34
